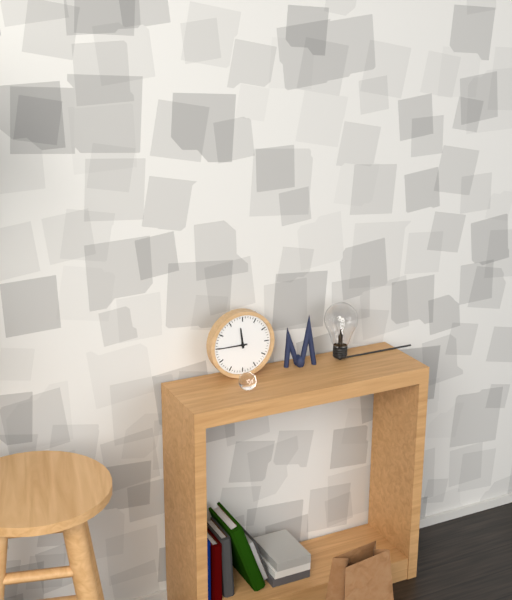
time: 11:45
